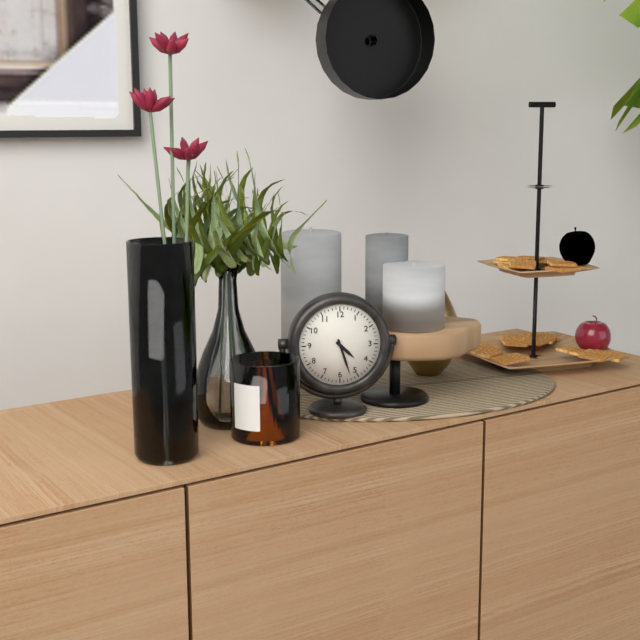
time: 4:27
